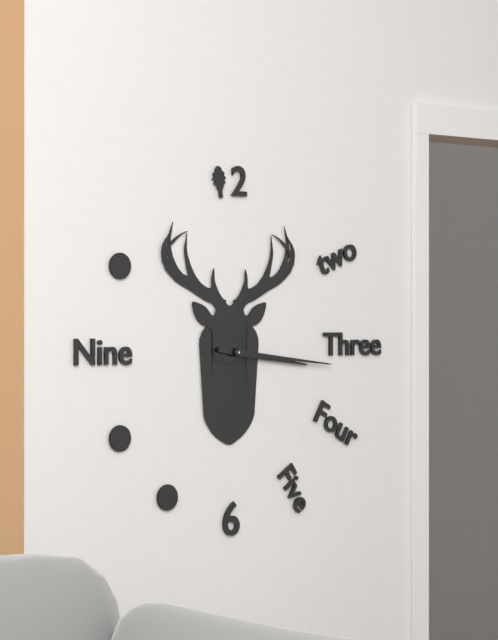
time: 3:16
